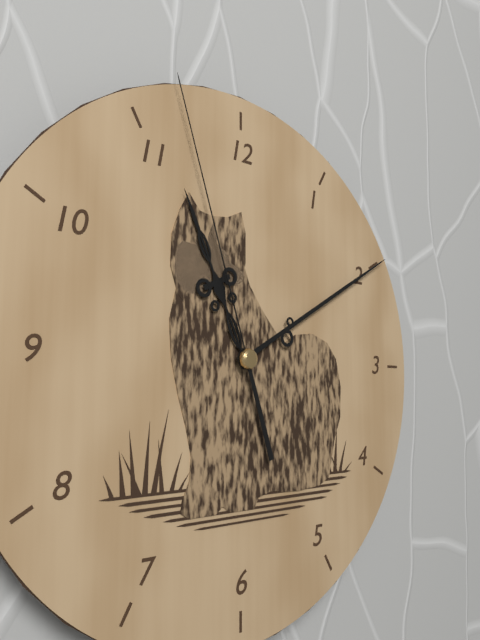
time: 11:10:57
